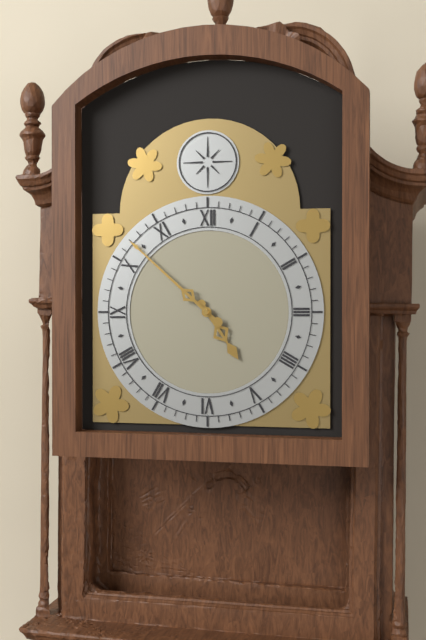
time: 4:52
